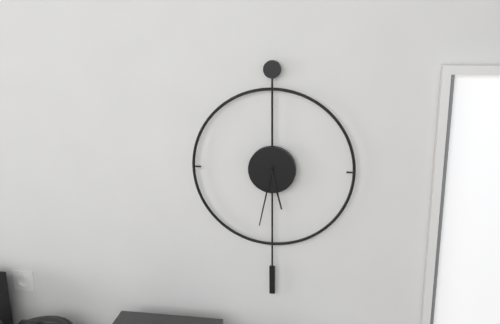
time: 5:32
